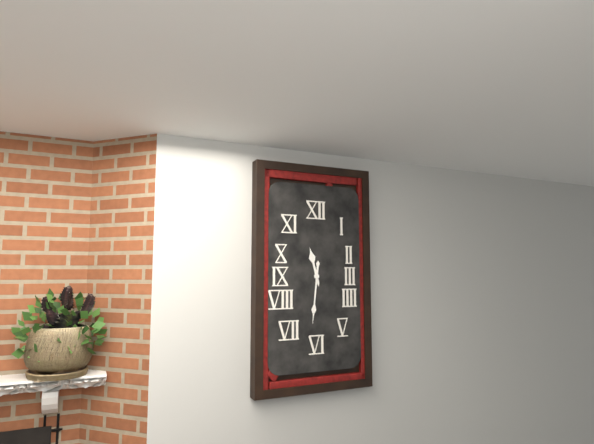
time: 11:31
